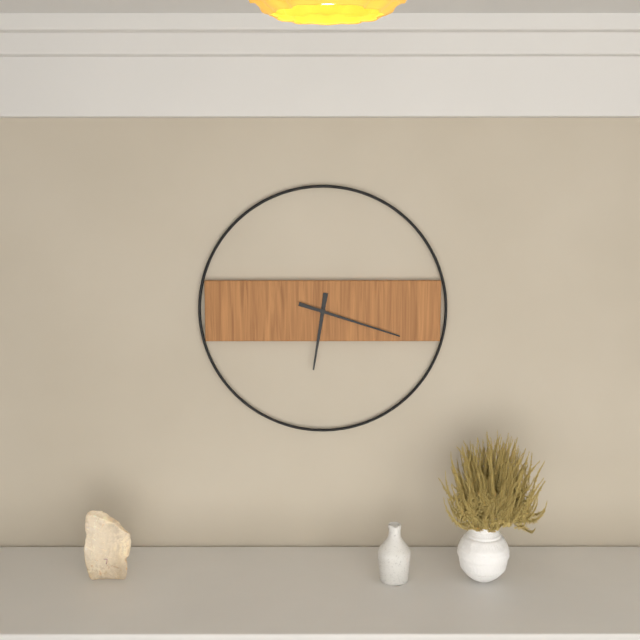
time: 6:18
